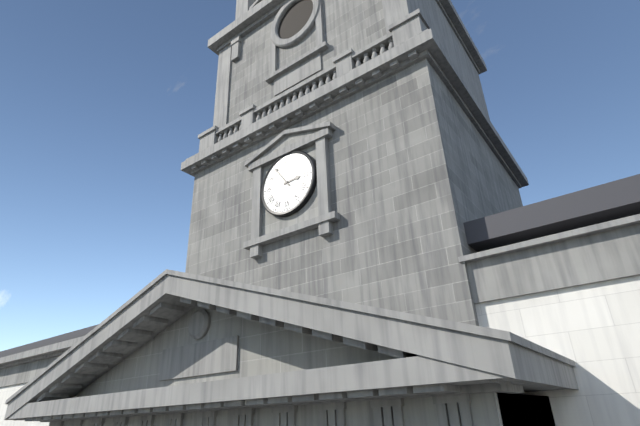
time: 2:54
